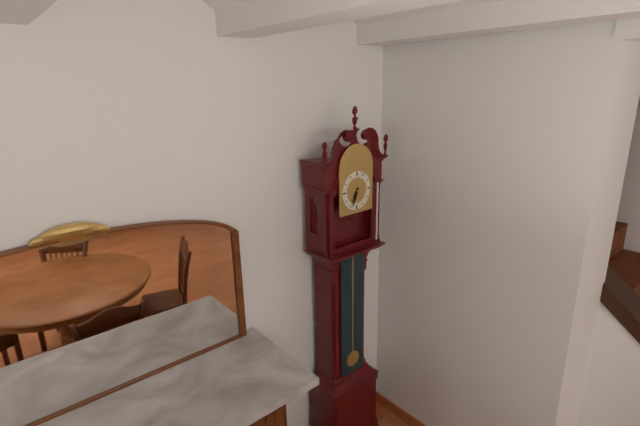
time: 6:34
